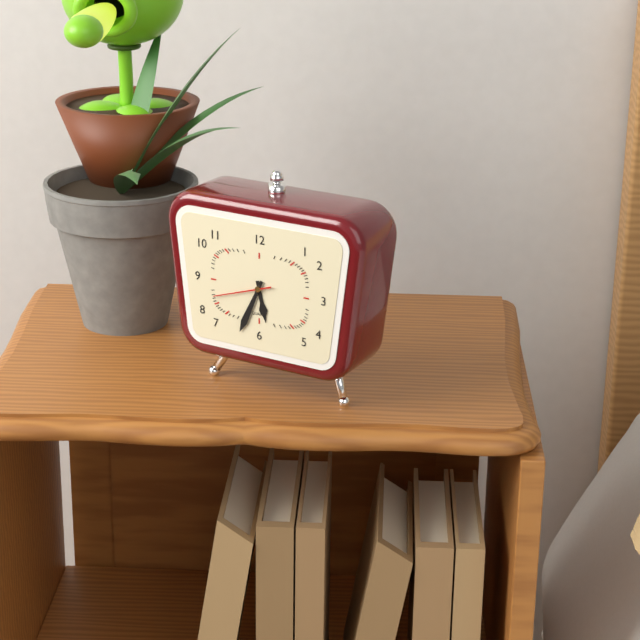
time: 5:34:42
